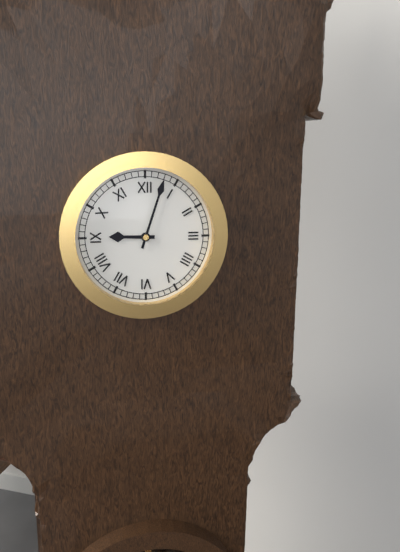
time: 9:03
